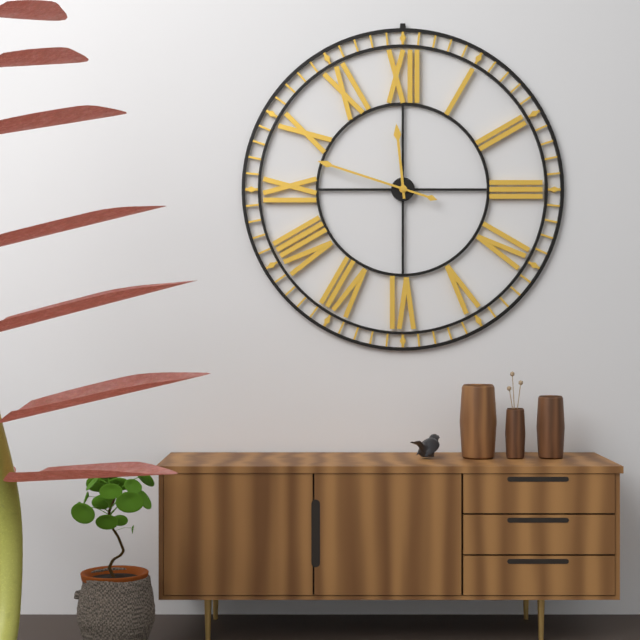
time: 11:48
